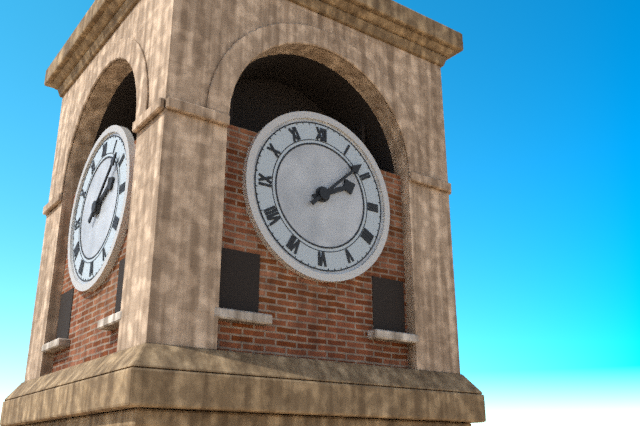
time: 2:08
